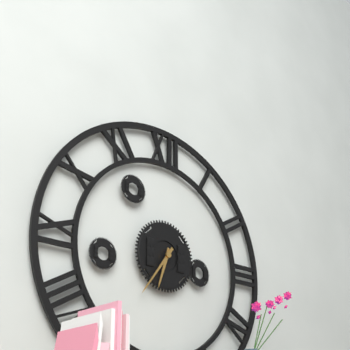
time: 6:36
